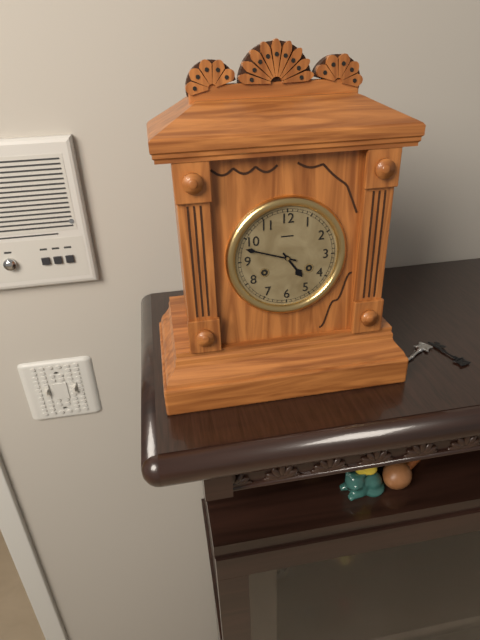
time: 4:48
